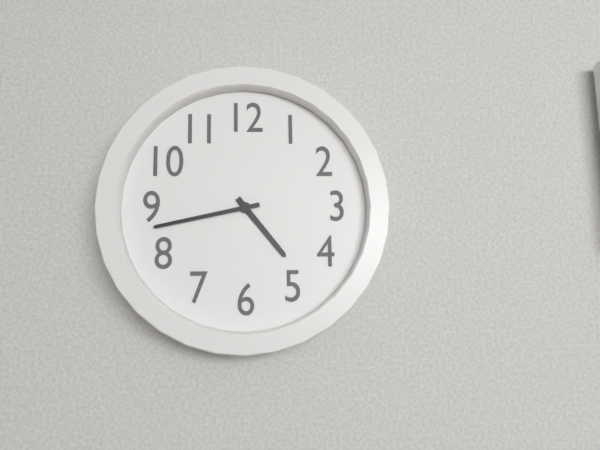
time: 4:43
